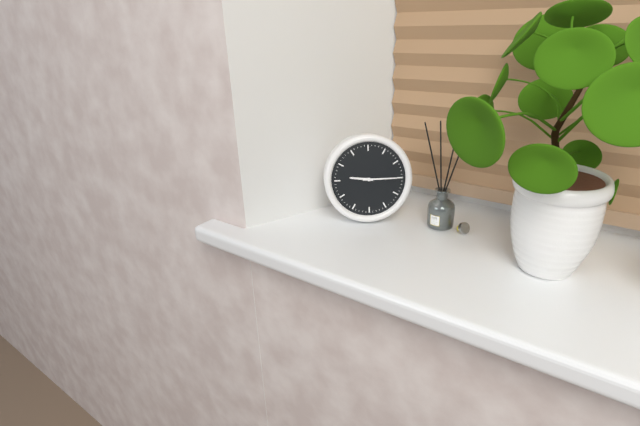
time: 9:15
